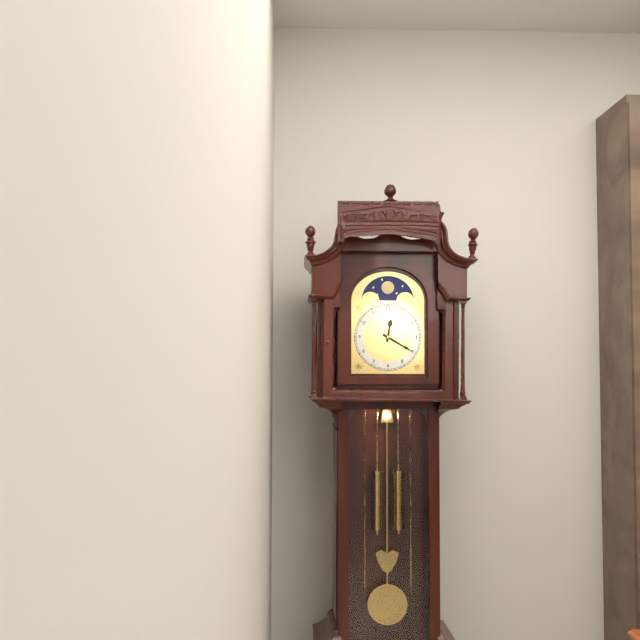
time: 12:20
